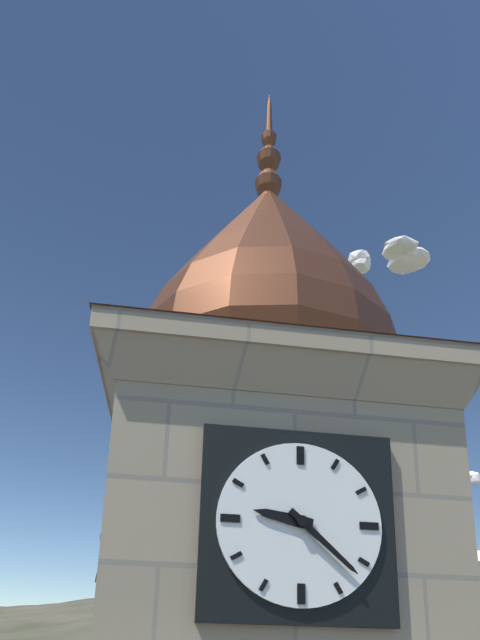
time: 9:22
